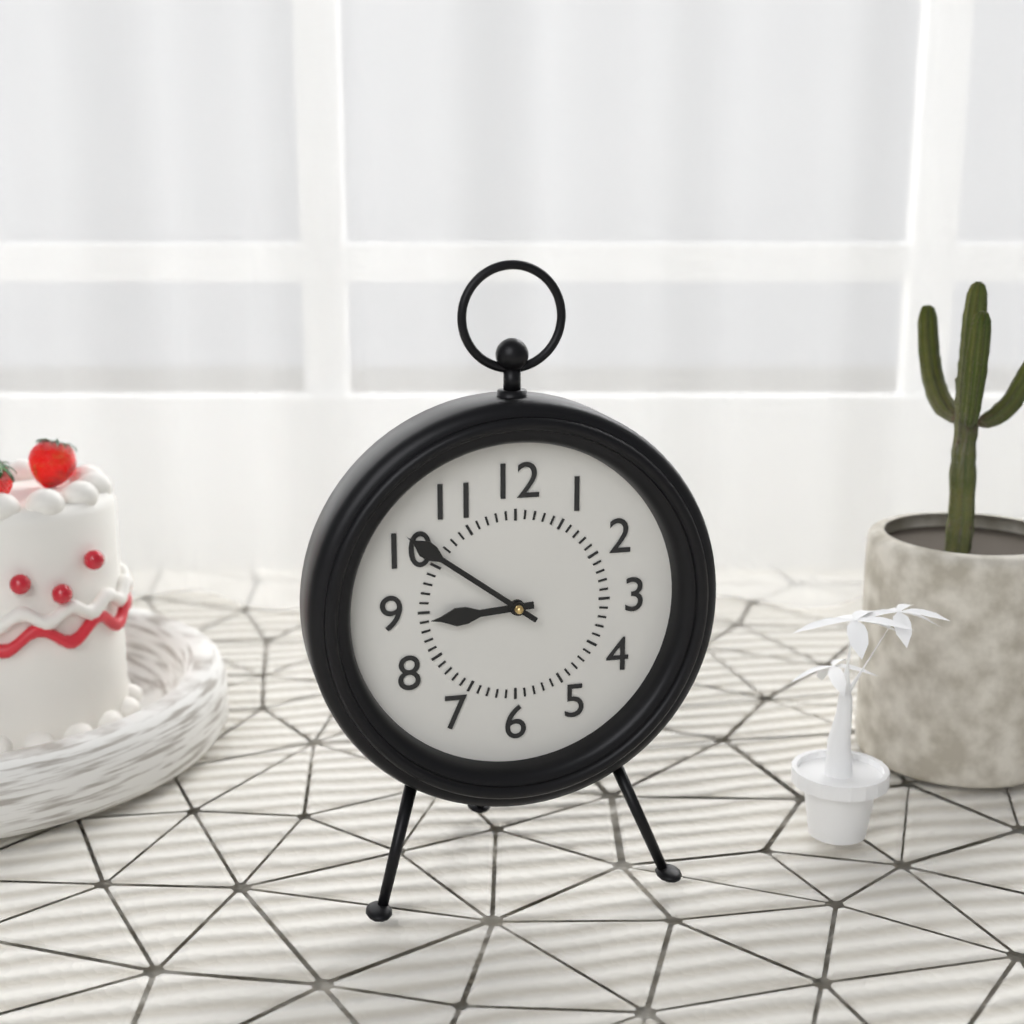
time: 8:51
